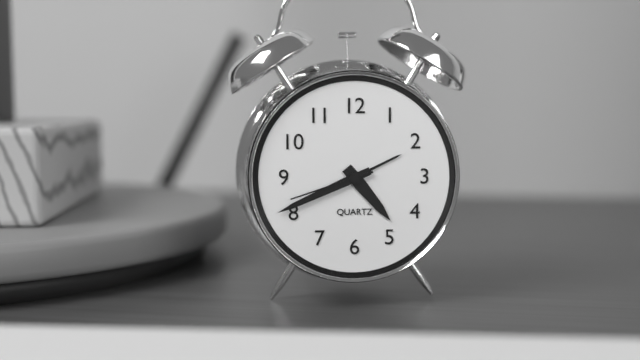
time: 4:41:42
